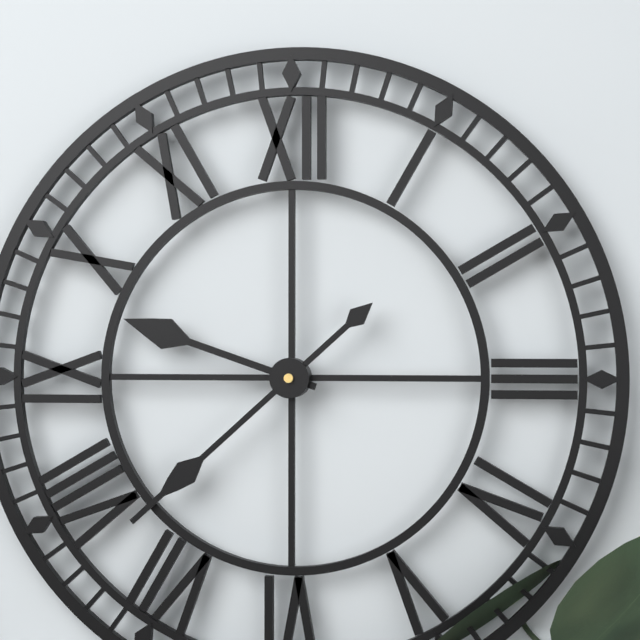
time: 9:38
